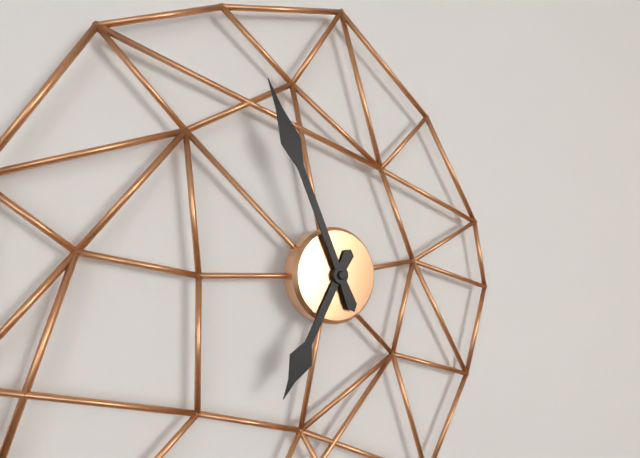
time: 6:56
